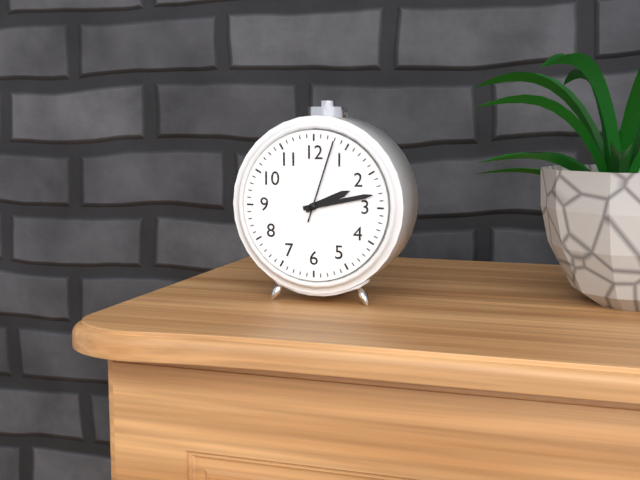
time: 2:13:03
